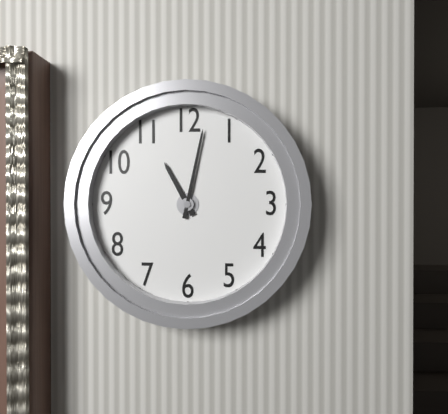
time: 11:02
